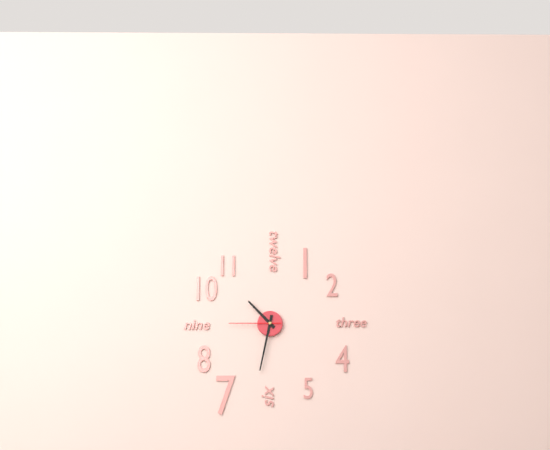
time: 10:32:45
